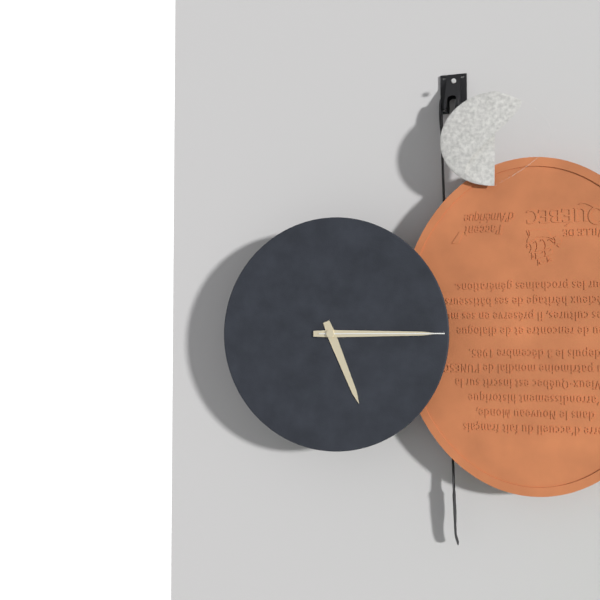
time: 5:15:15
